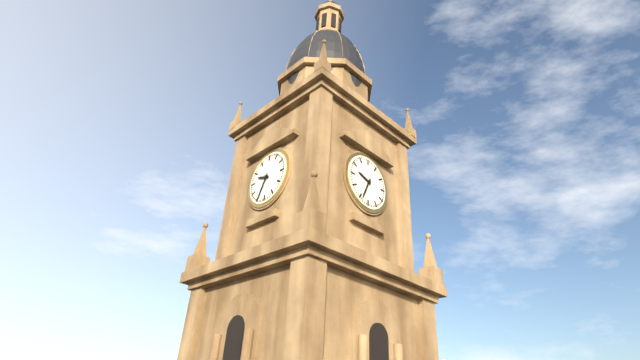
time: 9:34
